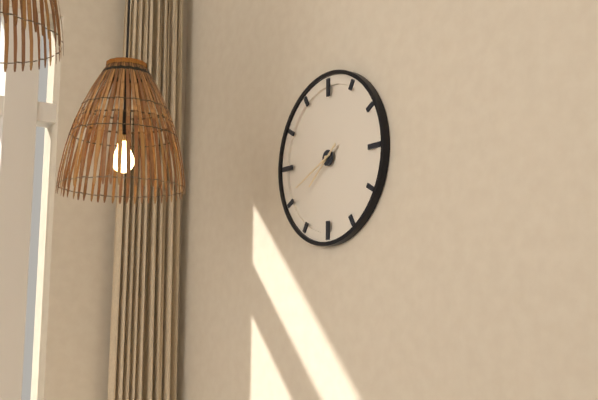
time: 7:41
